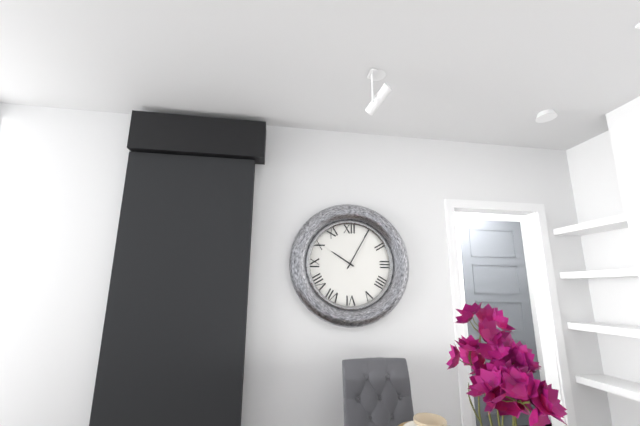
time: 10:05
